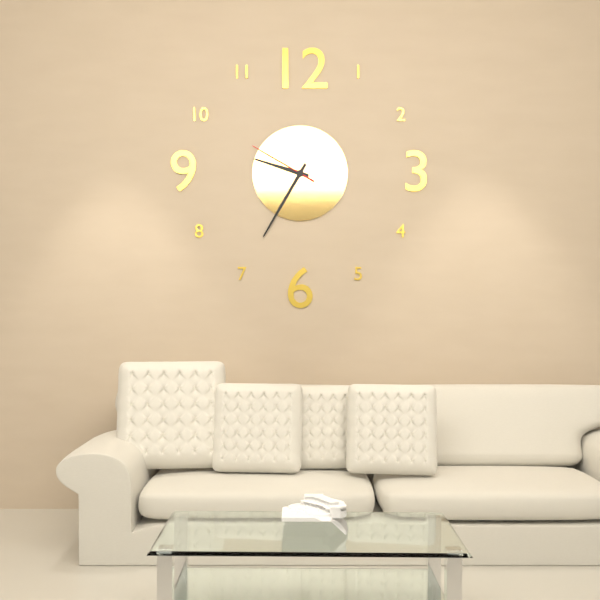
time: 9:35:50
